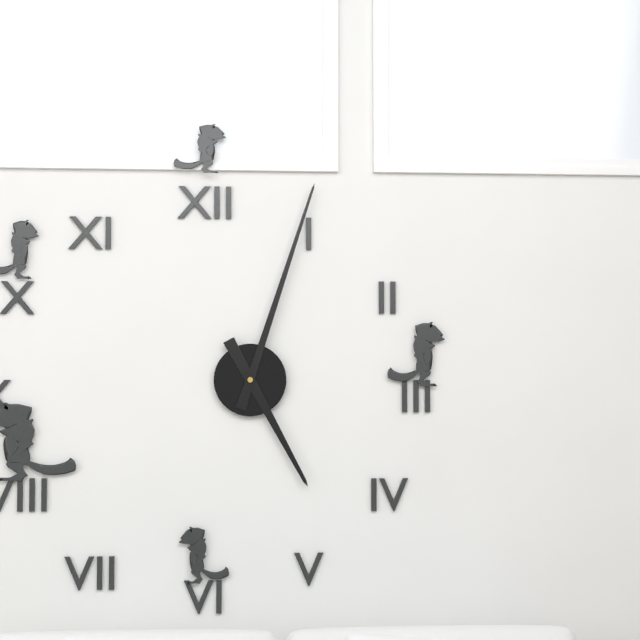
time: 5:03
